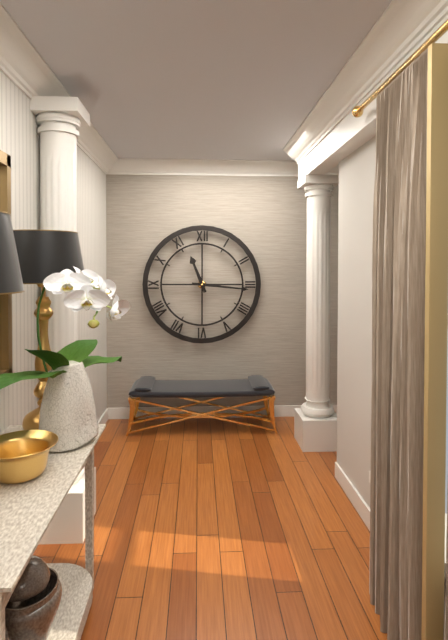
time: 11:16
